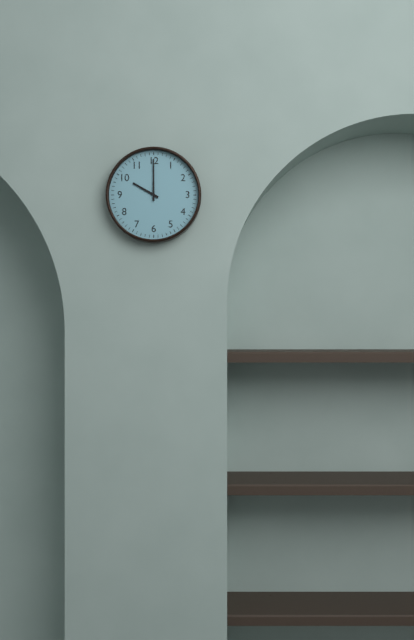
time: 10:00
